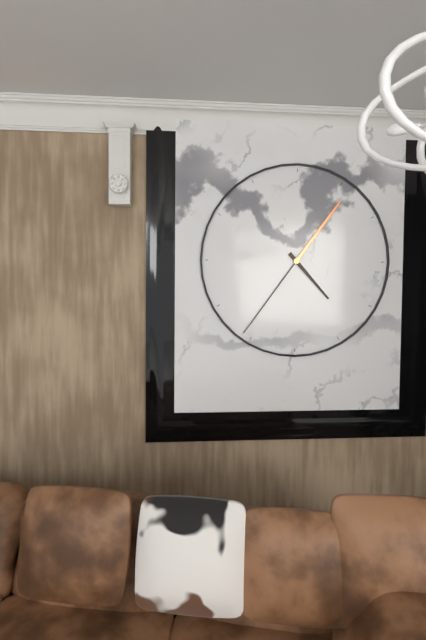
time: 4:36
